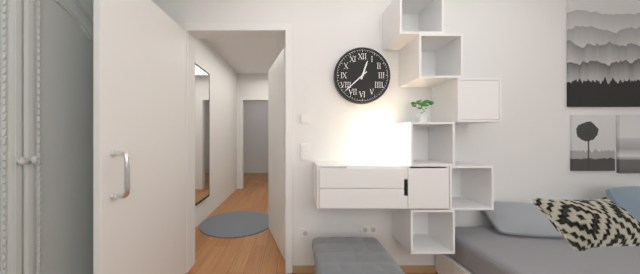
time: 12:38
